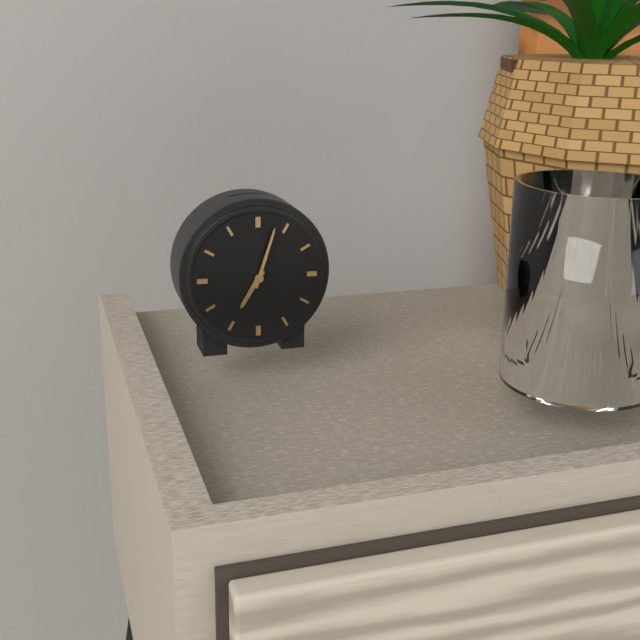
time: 7:03
